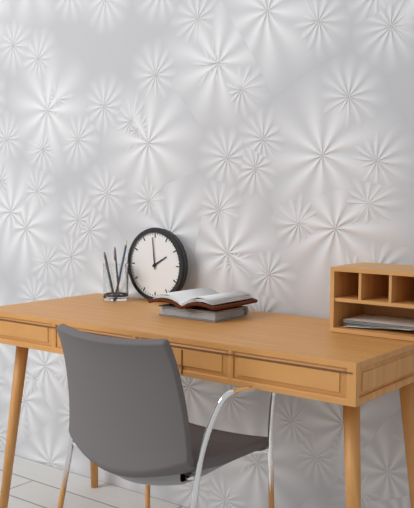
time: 1:59
